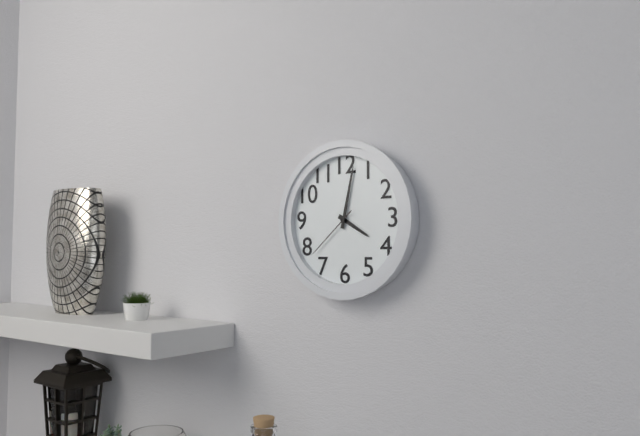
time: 4:02:38
